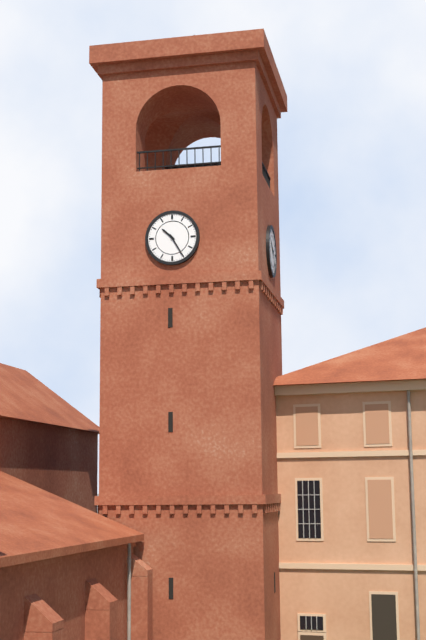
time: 10:25
